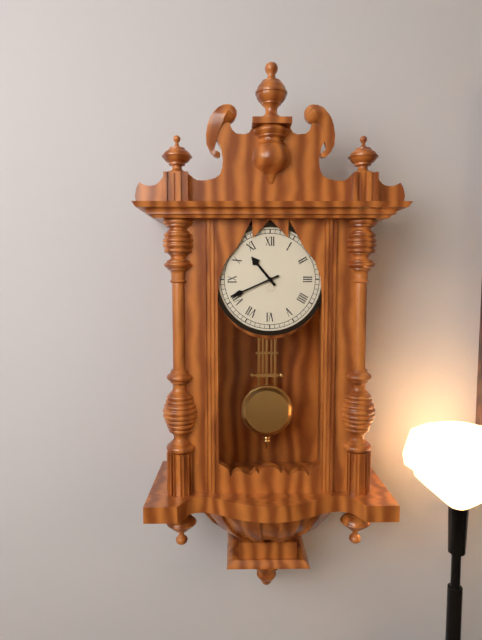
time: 10:41
